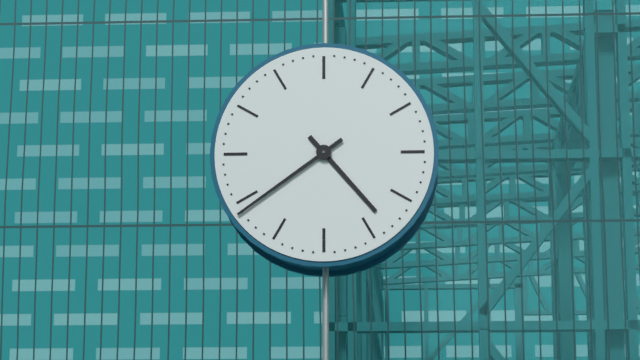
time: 4:39
